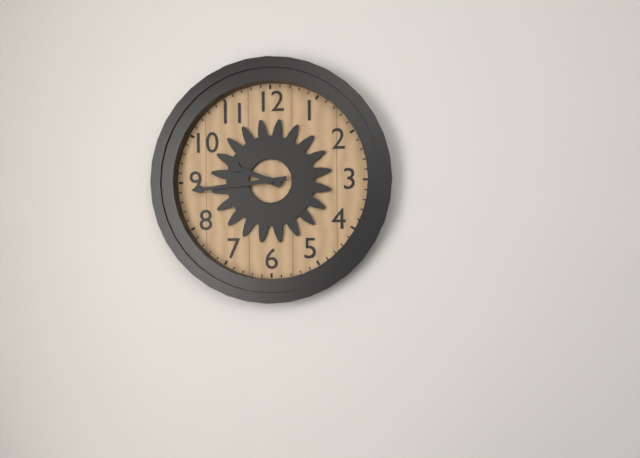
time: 9:44
